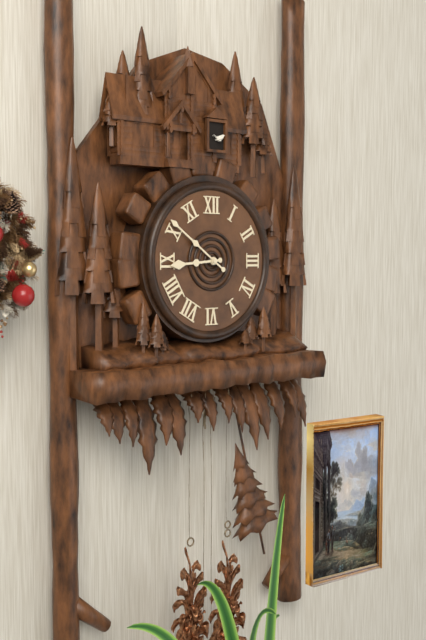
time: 8:51
